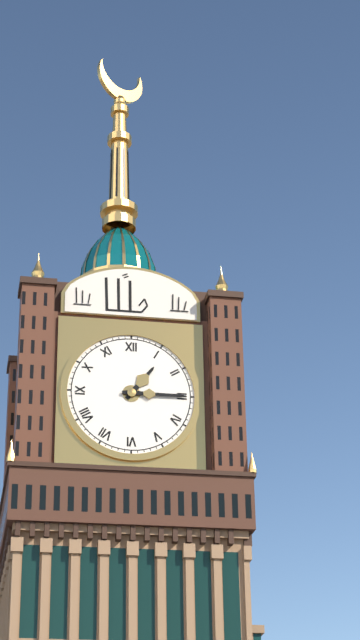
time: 1:15
